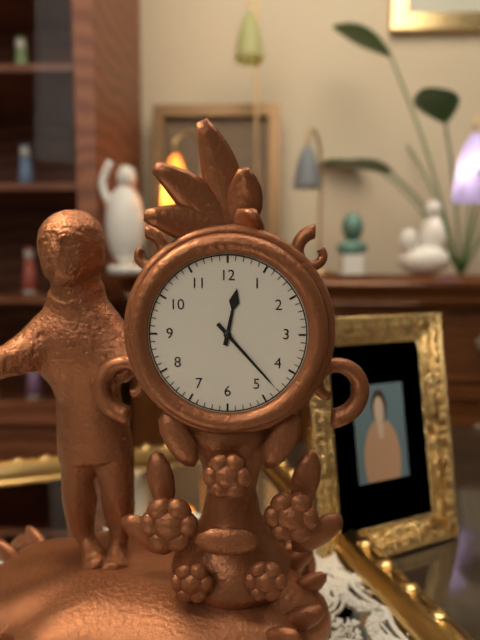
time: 12:23
